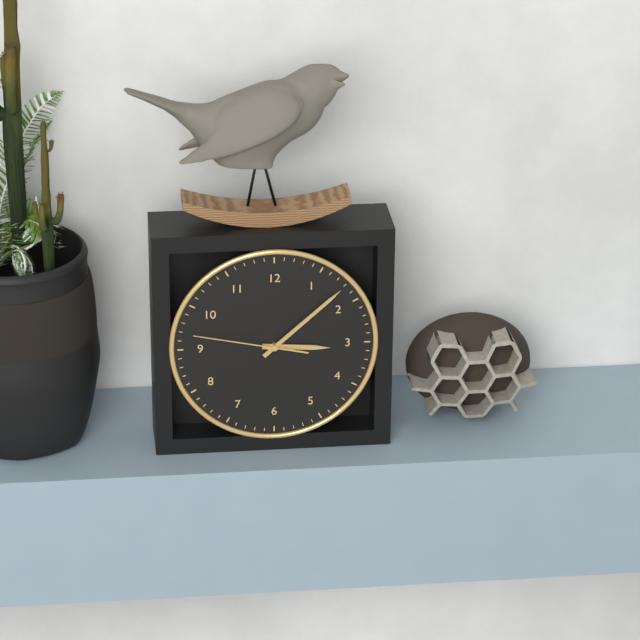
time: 3:08:47
